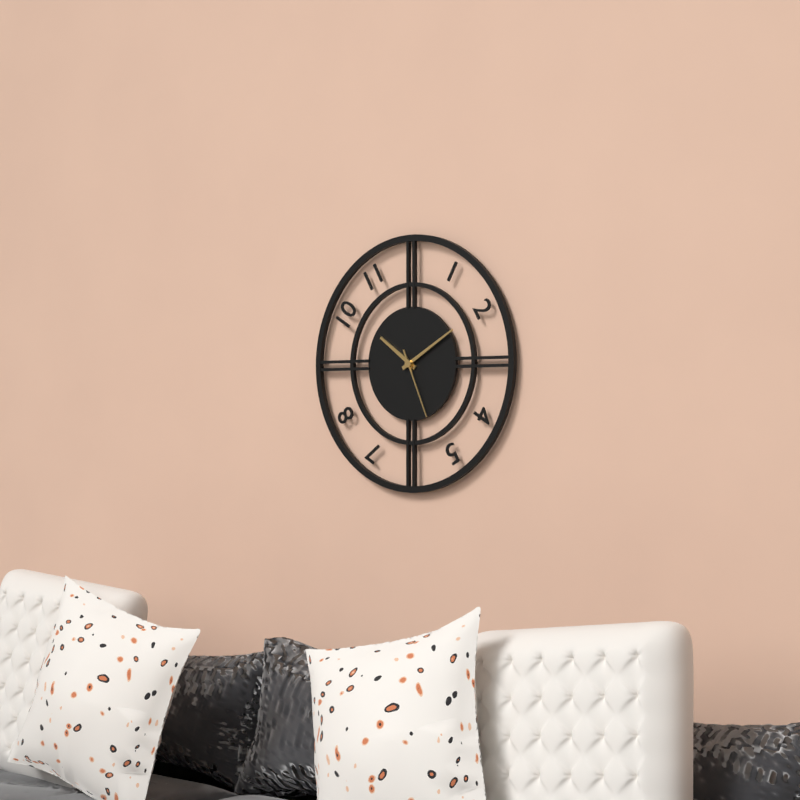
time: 10:10:26
